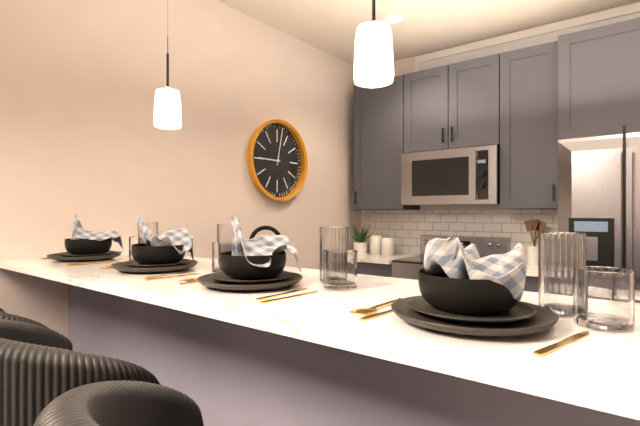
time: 9:02
